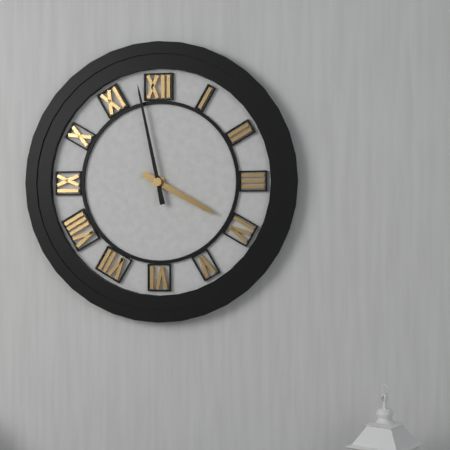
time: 3:58
